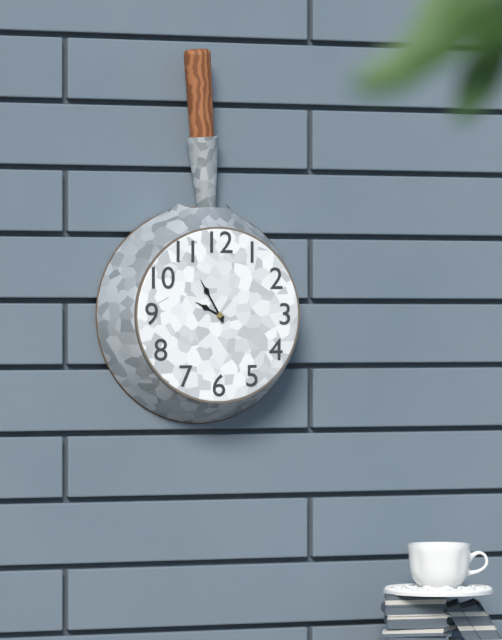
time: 9:55
